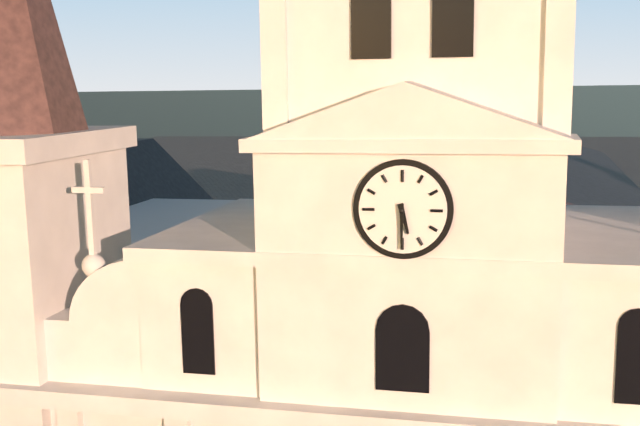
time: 5:30
